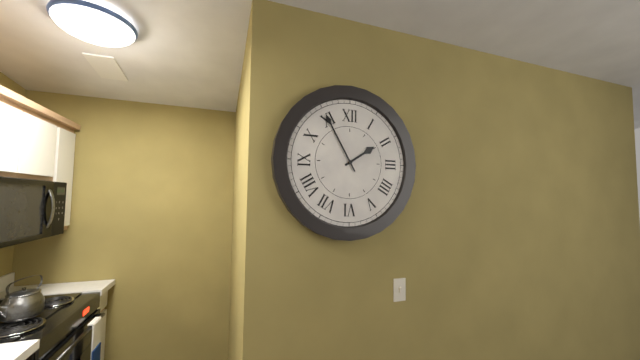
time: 1:55
